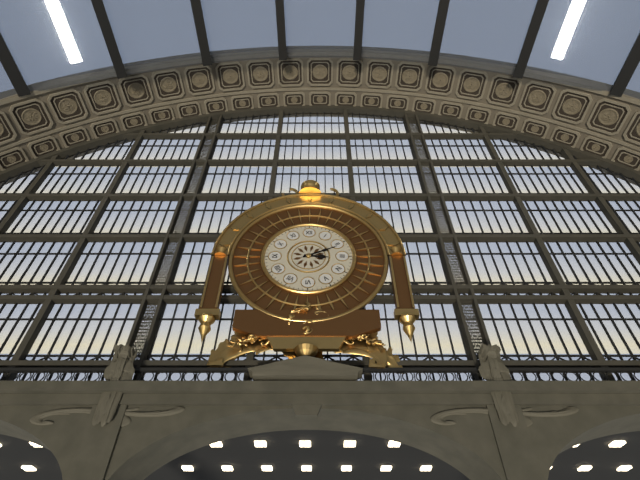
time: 3:11
